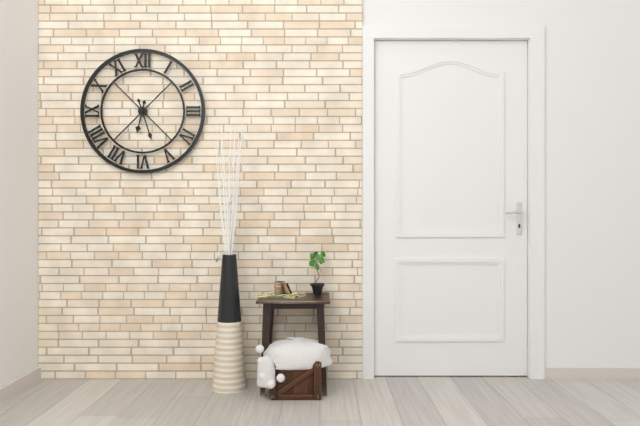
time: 6:27
